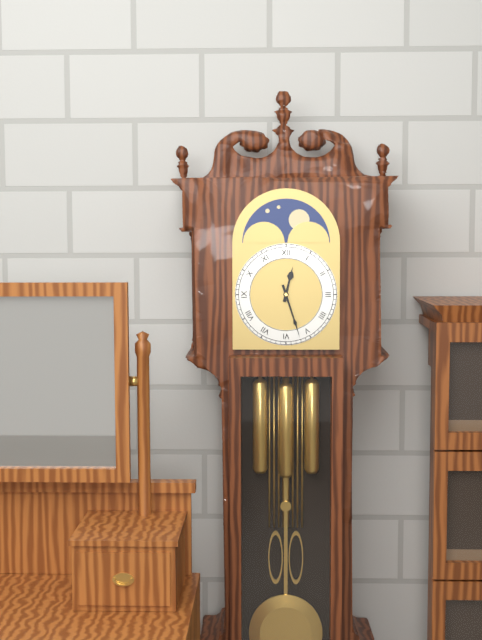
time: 12:27
